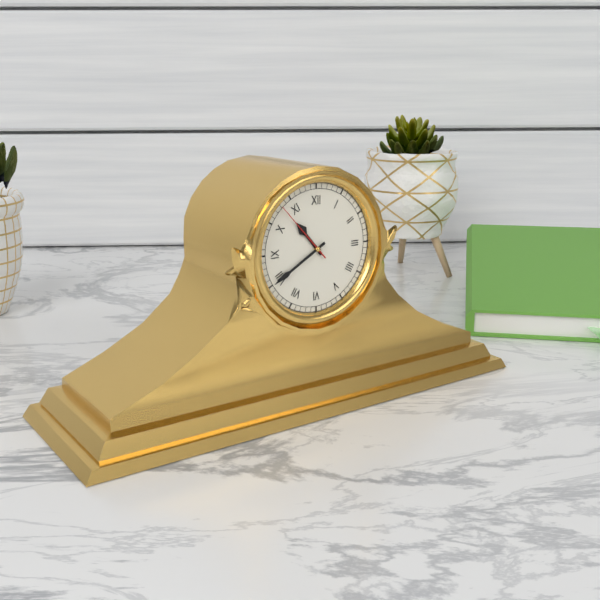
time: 10:40:53
